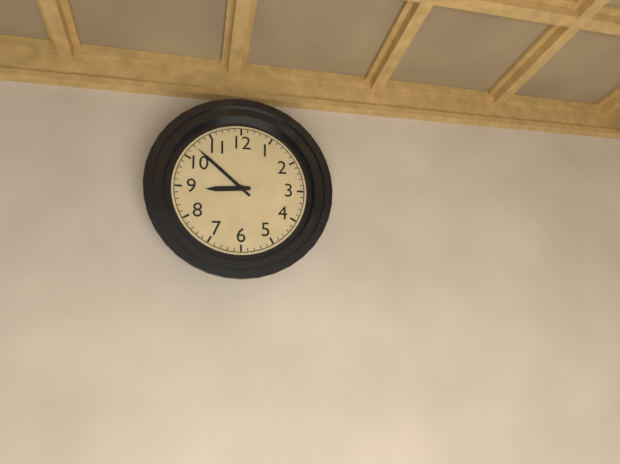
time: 8:52
